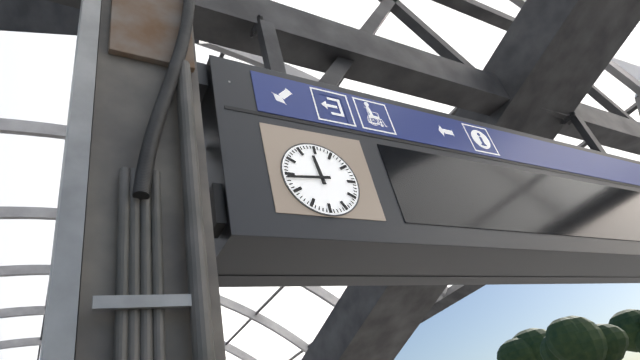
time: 11:44
